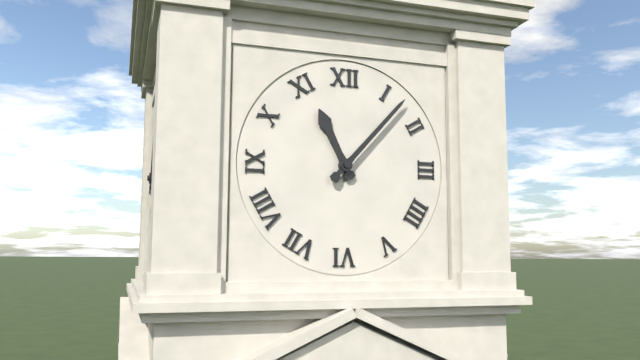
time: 11:07
